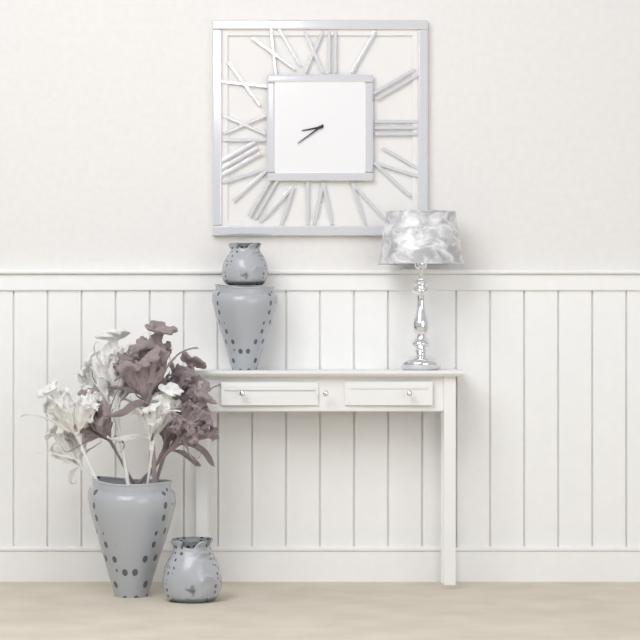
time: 8:39
